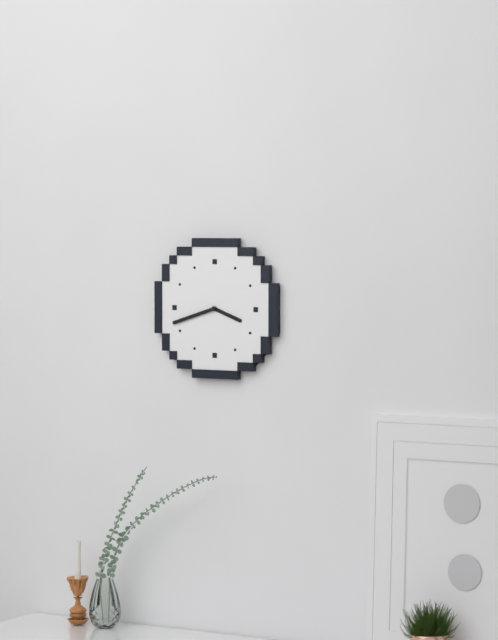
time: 3:42
